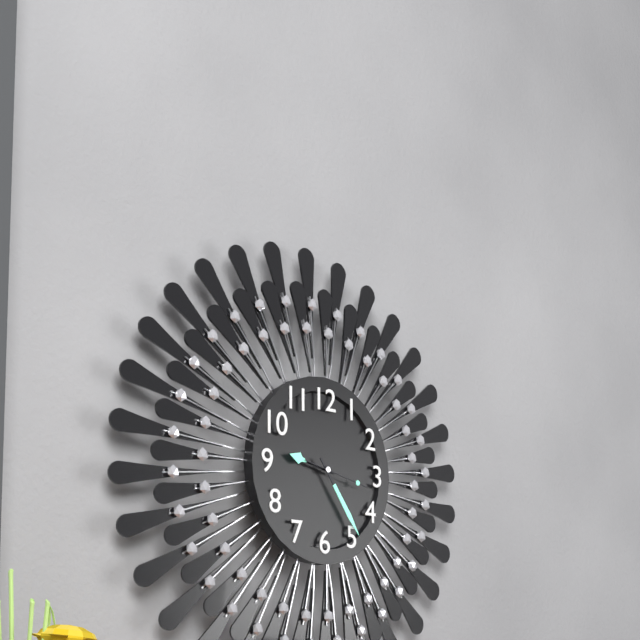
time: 9:24:17
